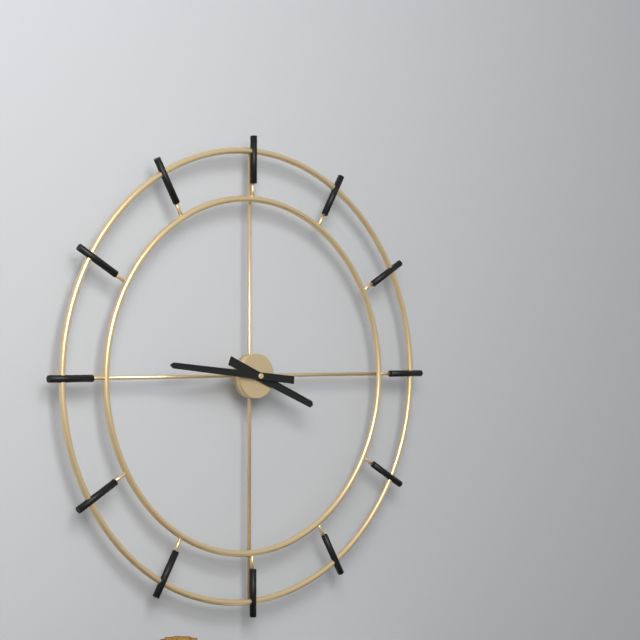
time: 3:46
